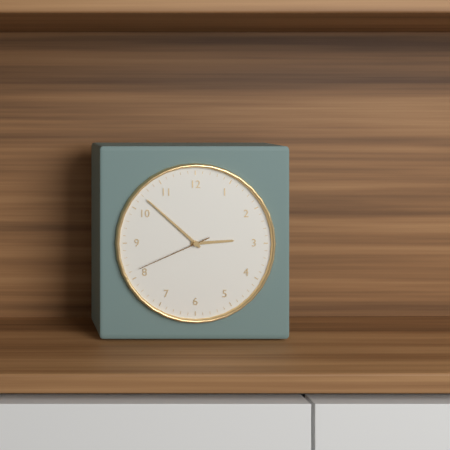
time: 2:52:41
